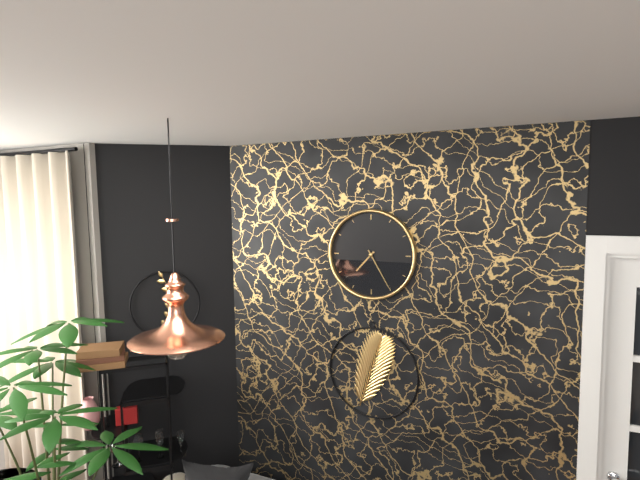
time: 7:25
